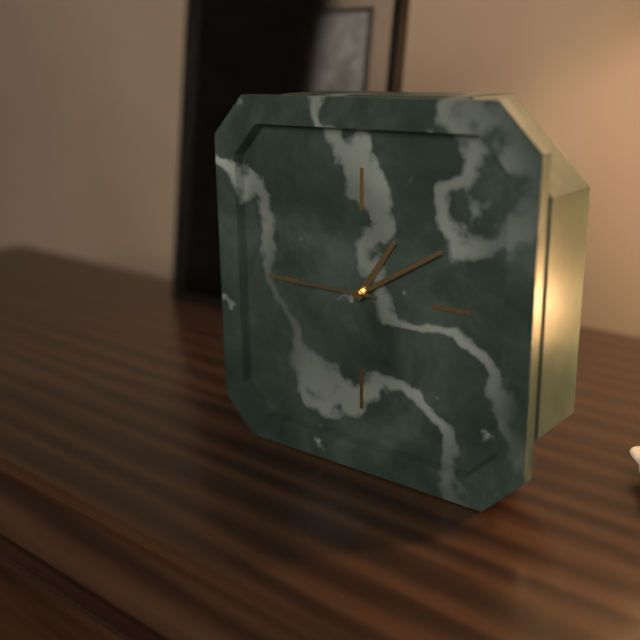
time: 1:10:45
